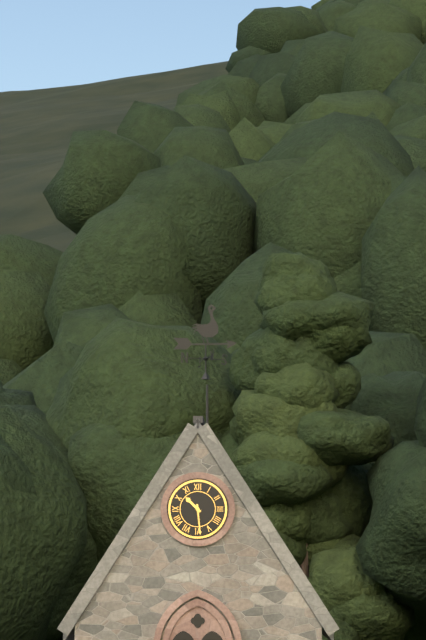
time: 10:29
